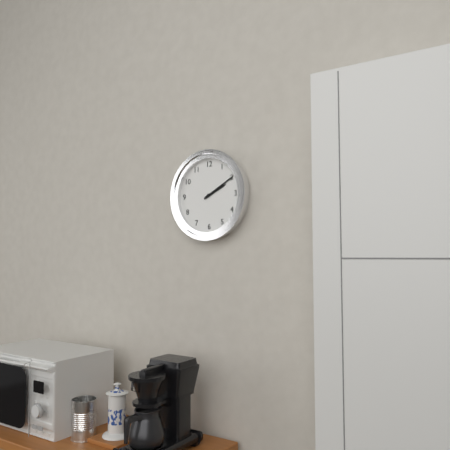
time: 2:10
